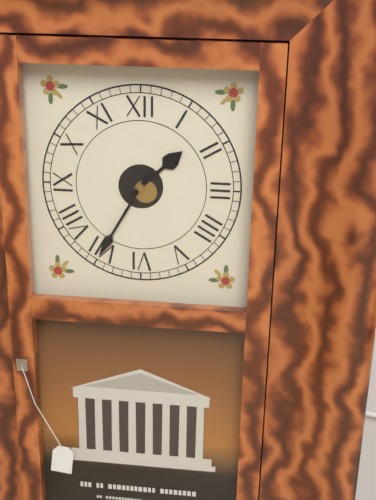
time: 1:35
